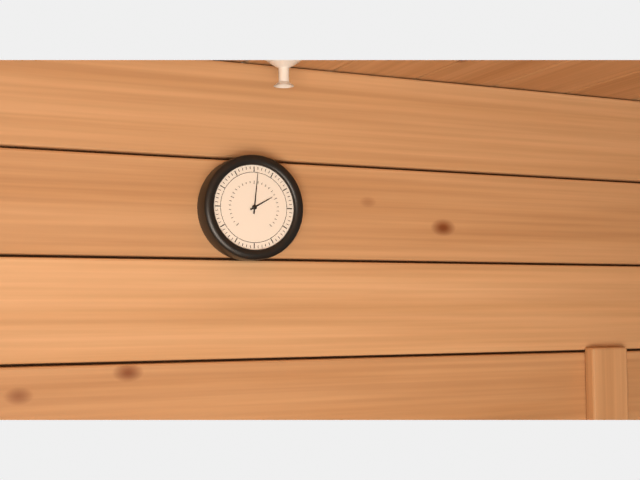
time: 2:01
